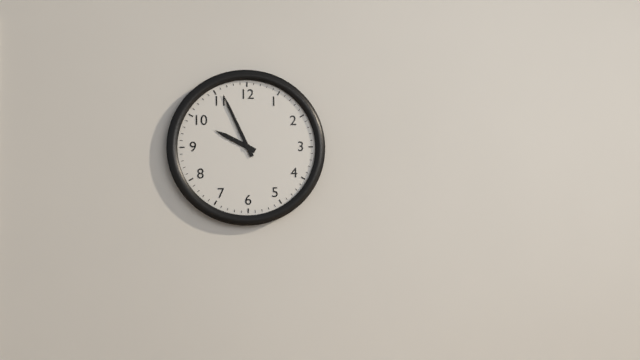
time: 9:56
